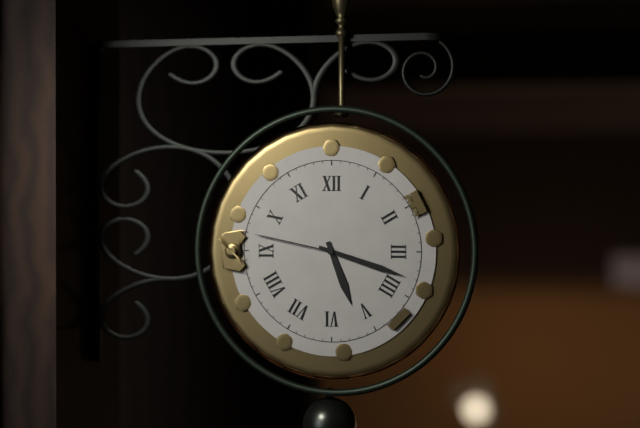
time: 5:18:47
